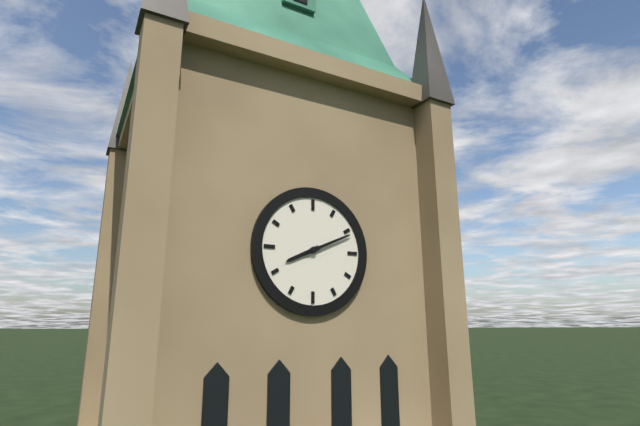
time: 8:11
